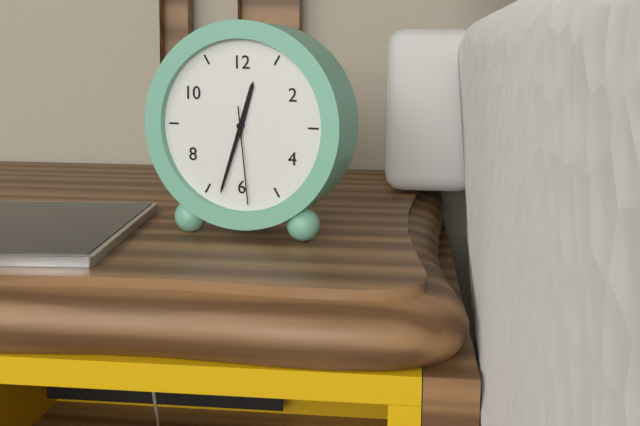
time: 12:33:29
